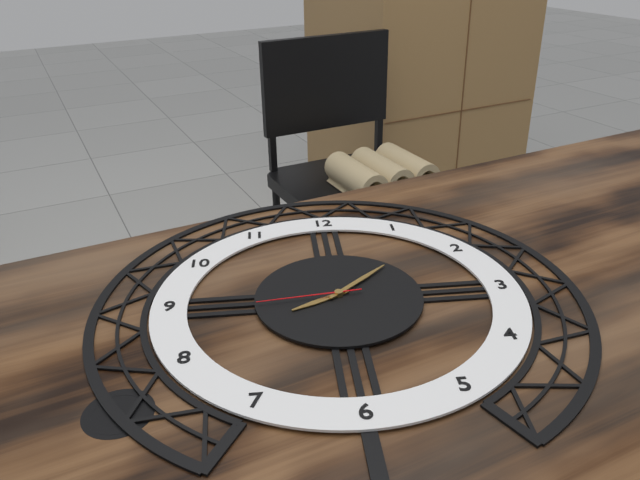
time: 8:08:44
